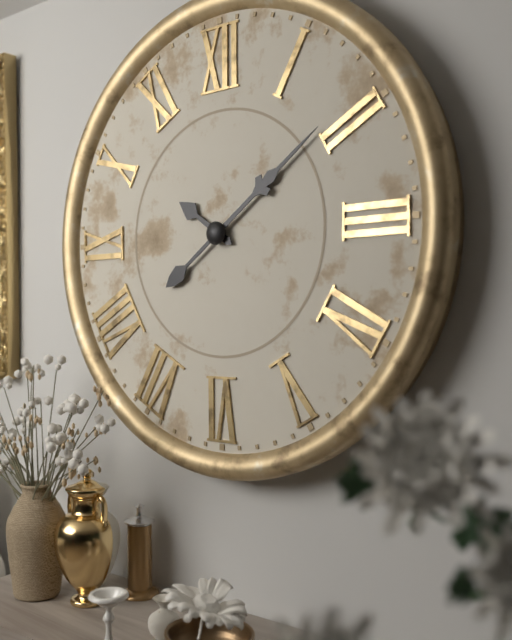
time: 10:09
